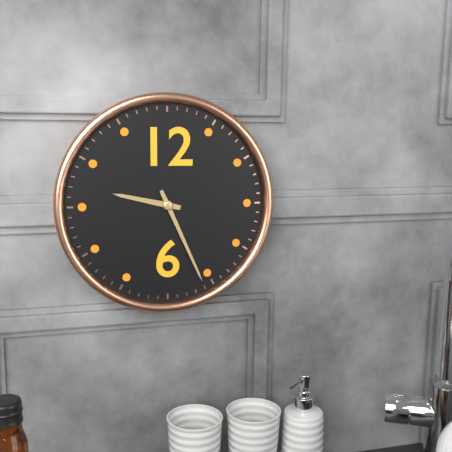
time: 9:26
